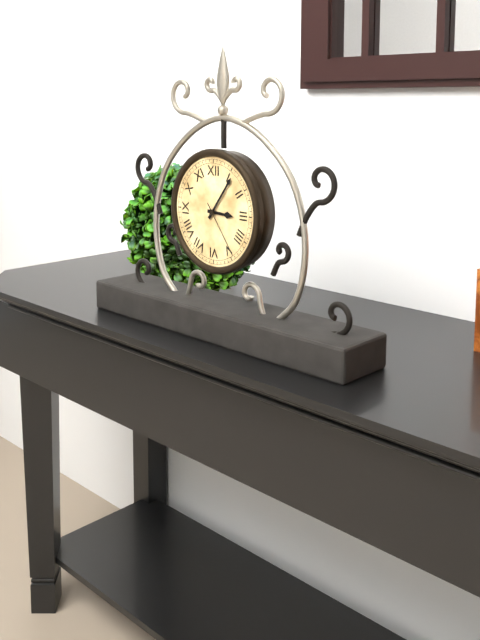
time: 3:06:24
